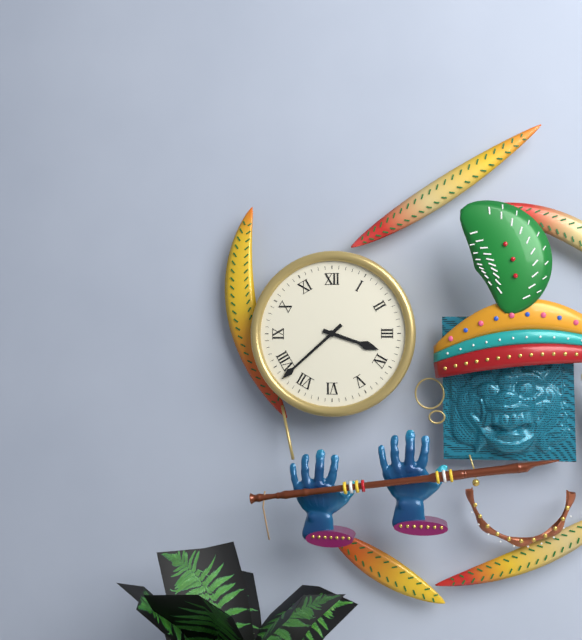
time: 3:38
